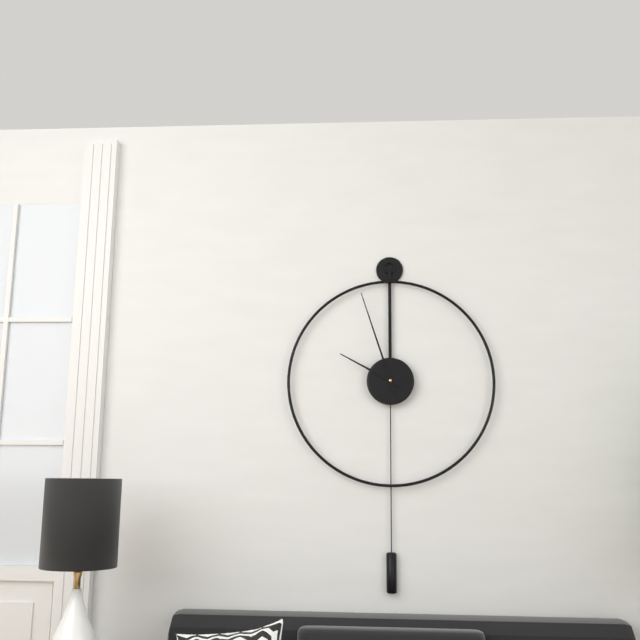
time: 9:57
